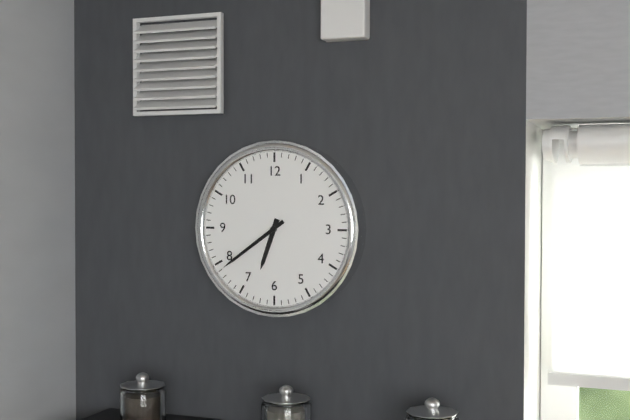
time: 6:39
